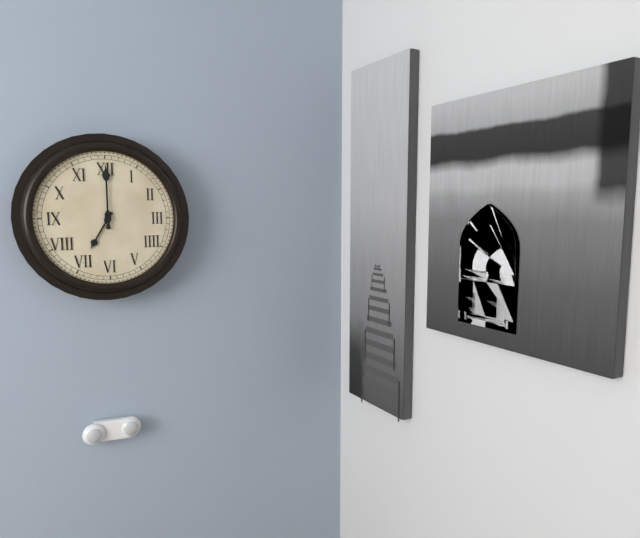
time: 7:00
